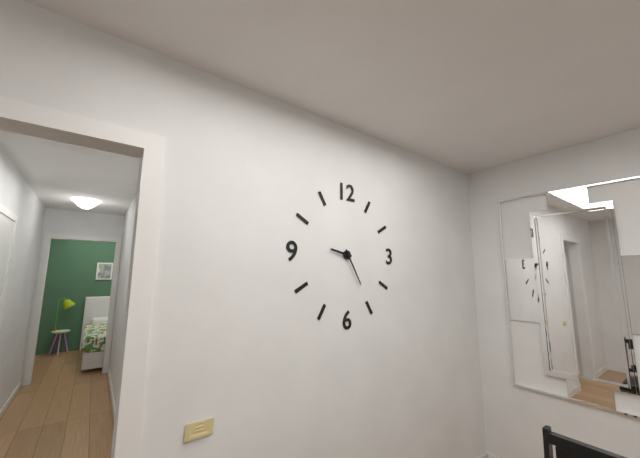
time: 9:25
